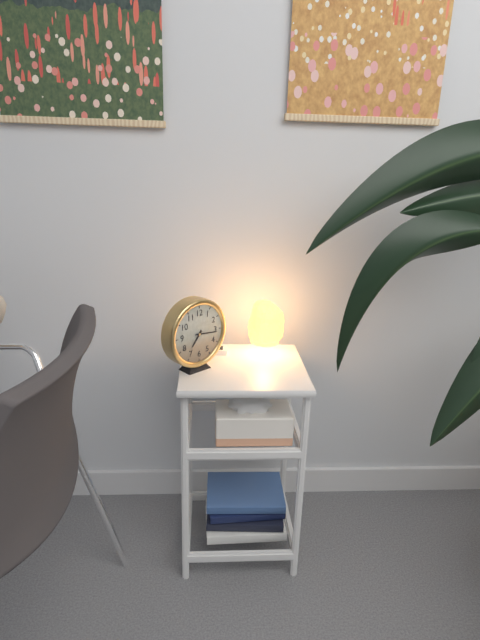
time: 7:16
